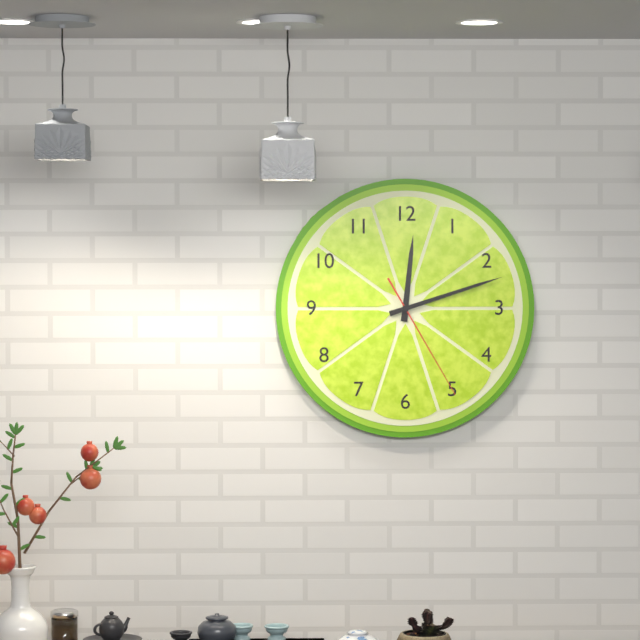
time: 12:12:25
